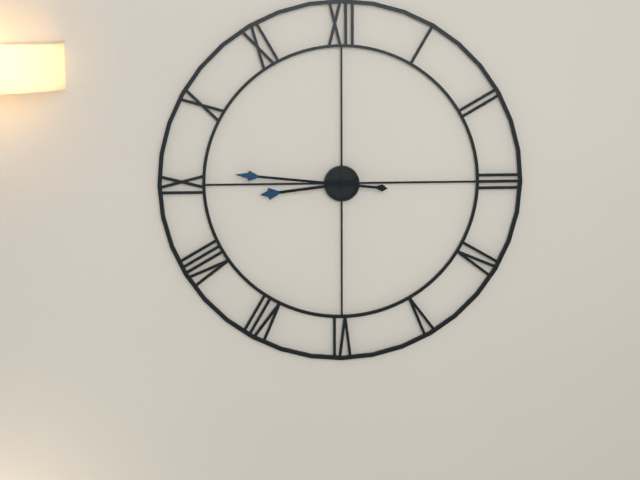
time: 8:46
